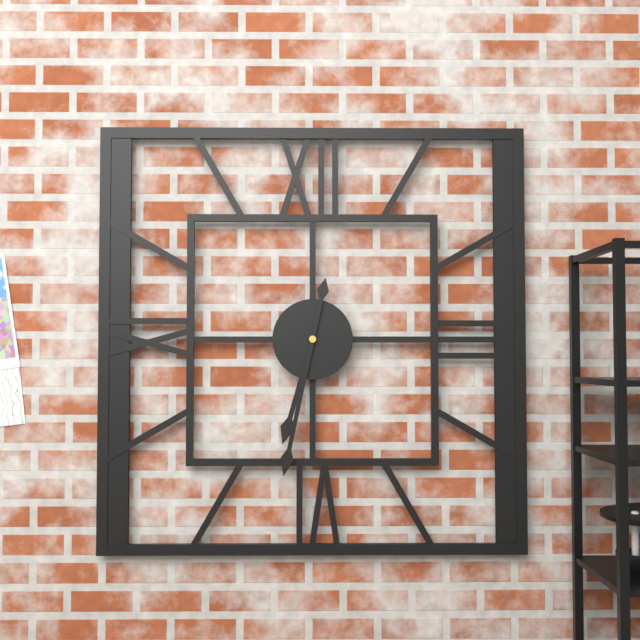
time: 6:32
